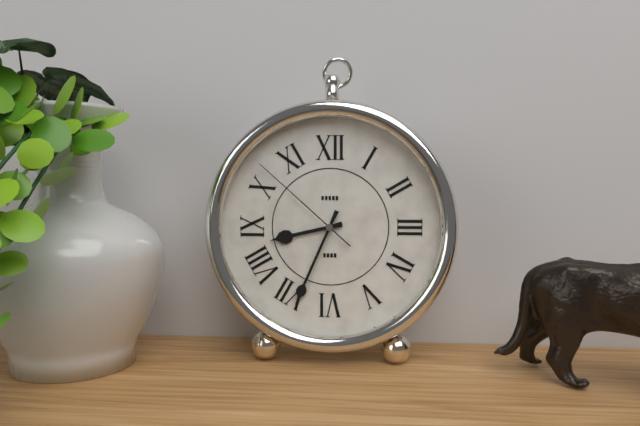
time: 8:34:52
